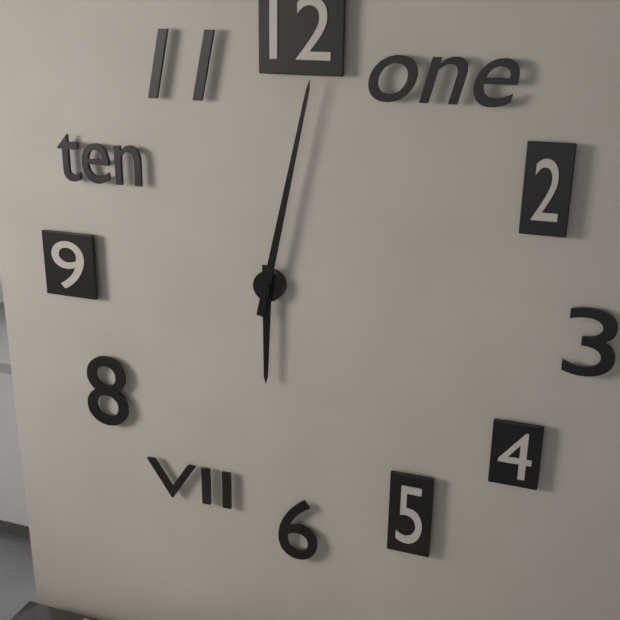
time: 6:02
